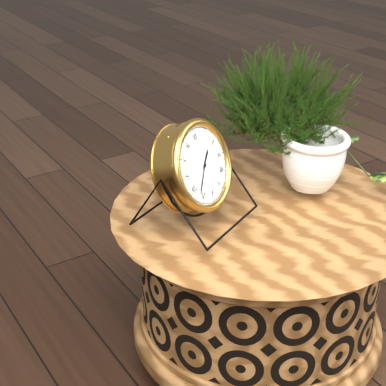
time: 1:37
